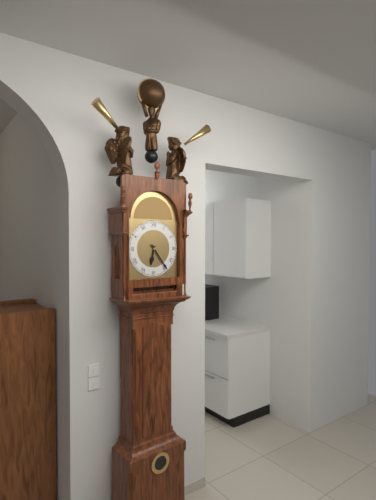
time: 6:24
